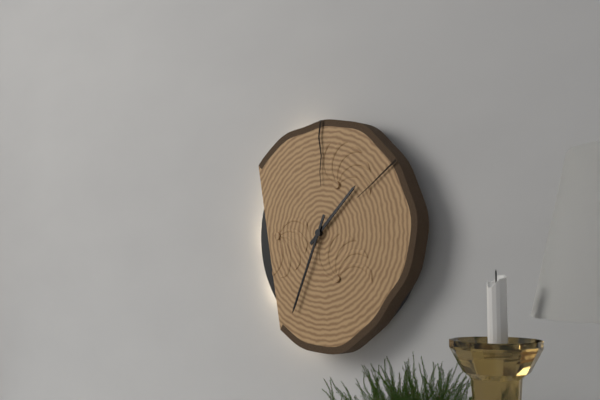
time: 1:34
